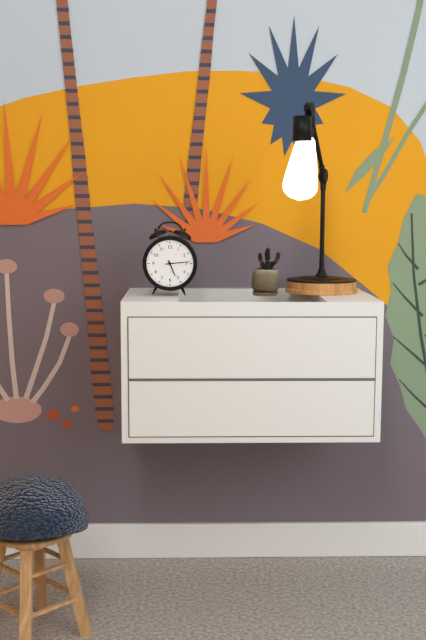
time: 5:14
